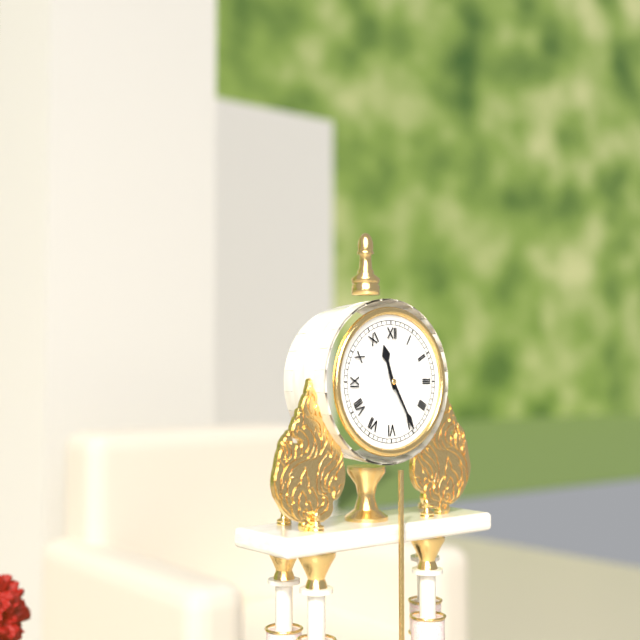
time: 11:25
